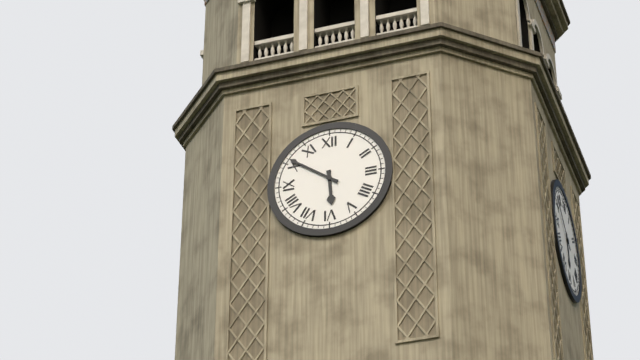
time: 5:51
